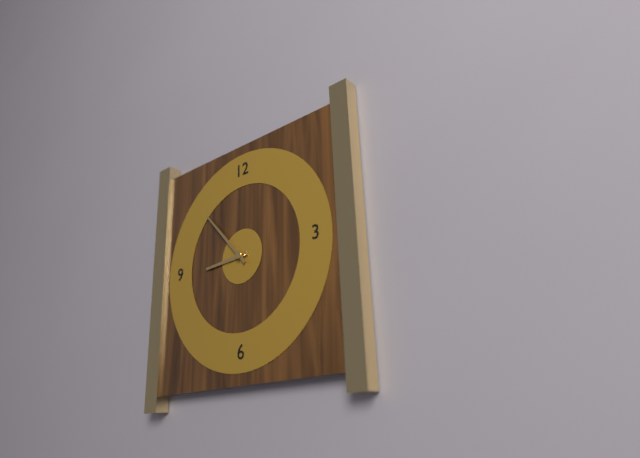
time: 8:53
